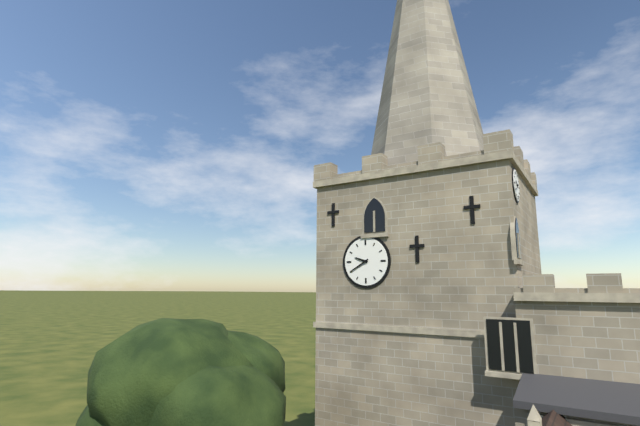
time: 9:40
